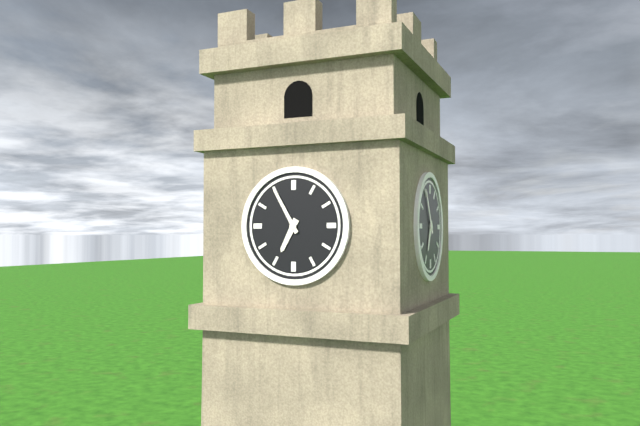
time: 6:55
